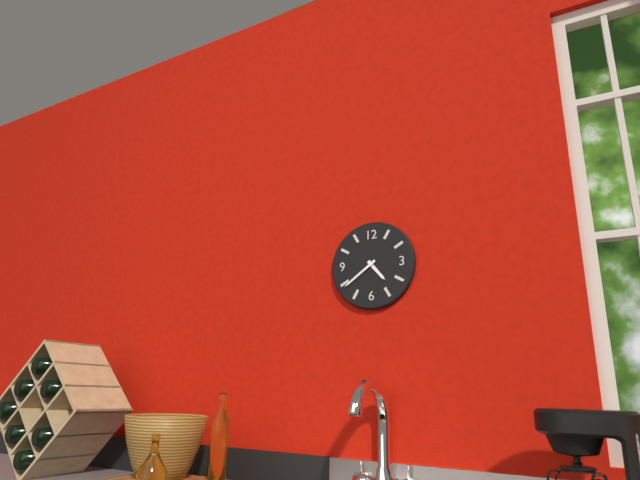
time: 4:39
